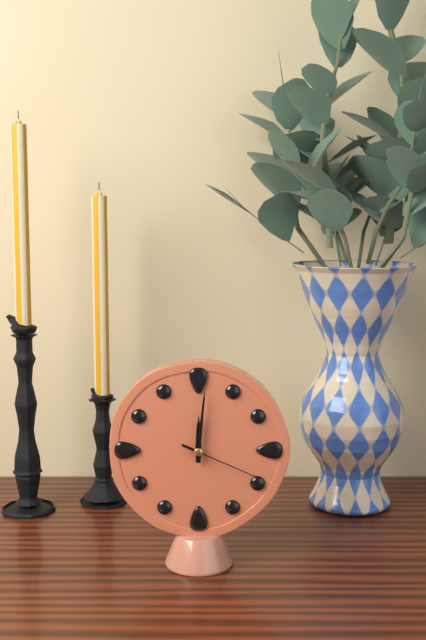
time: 12:01:19
